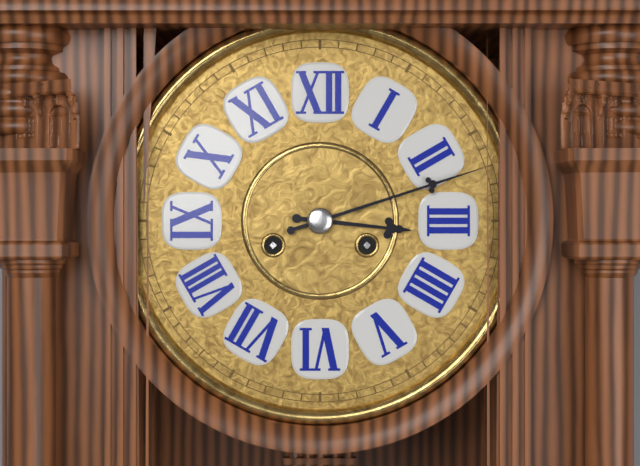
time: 3:12
